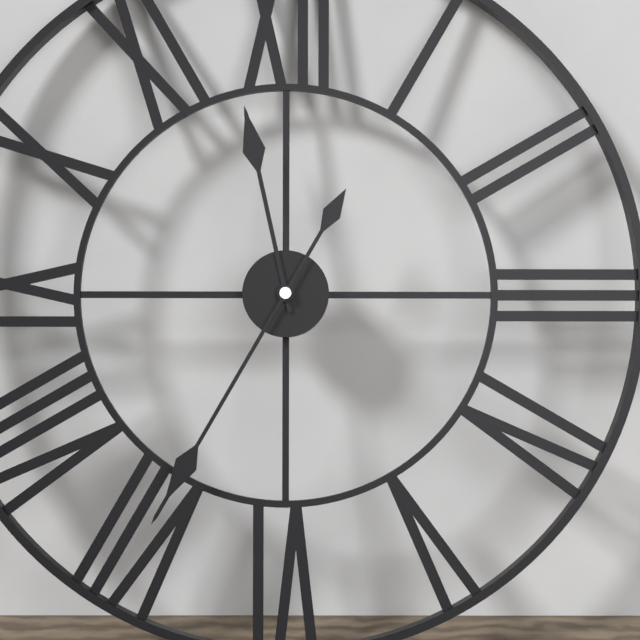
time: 11:35
